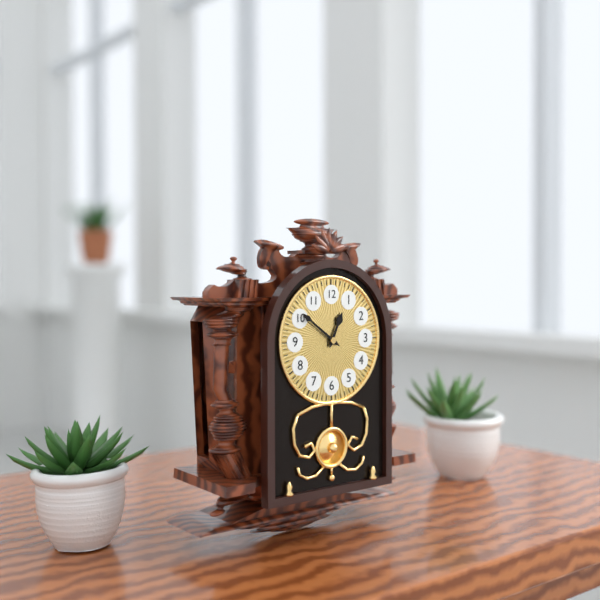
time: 12:51
